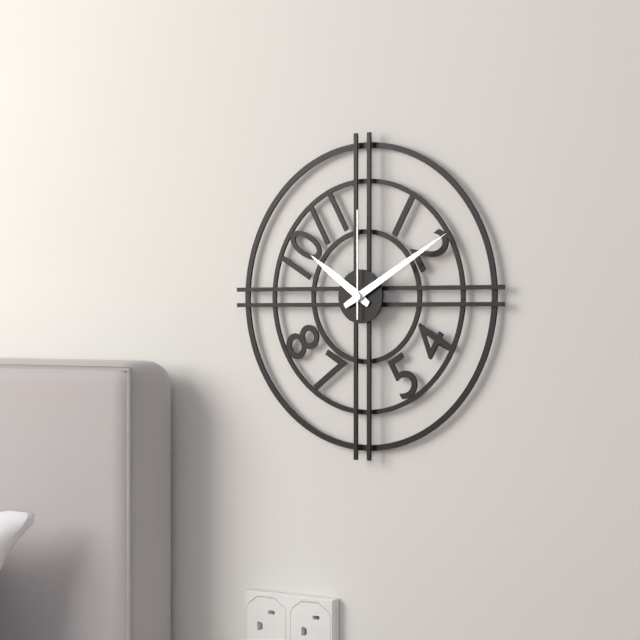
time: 10:10:00
